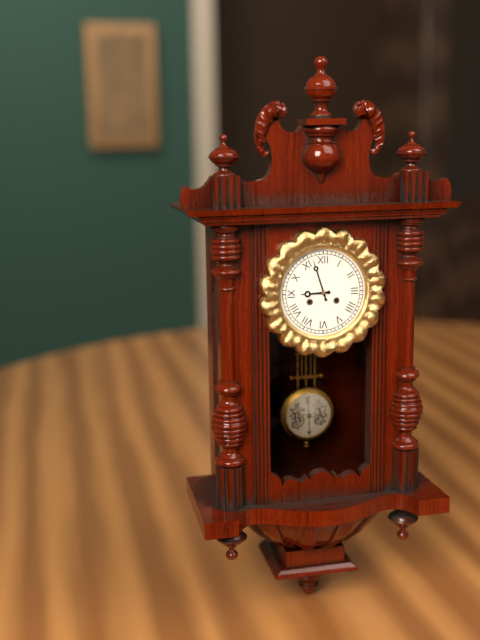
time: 8:57
